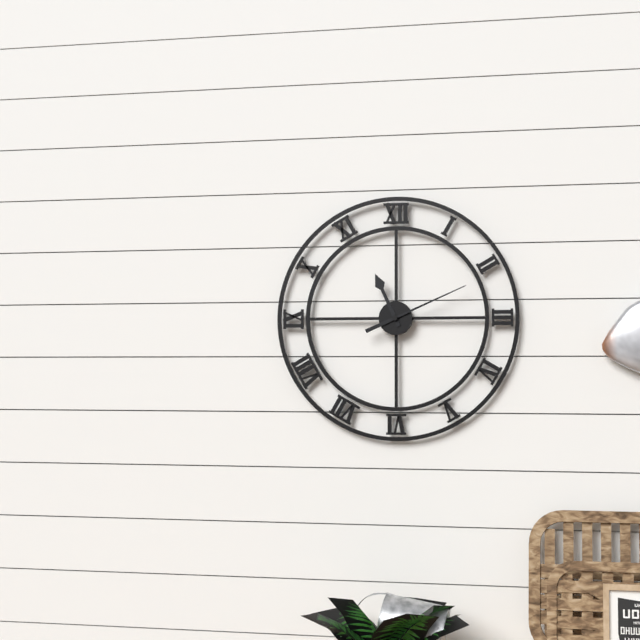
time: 11:11
